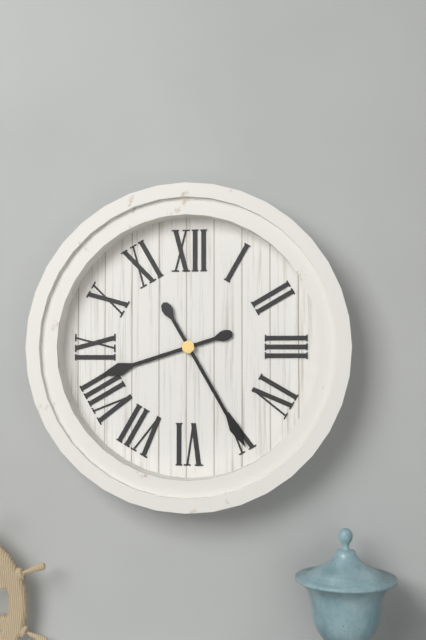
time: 8:25
